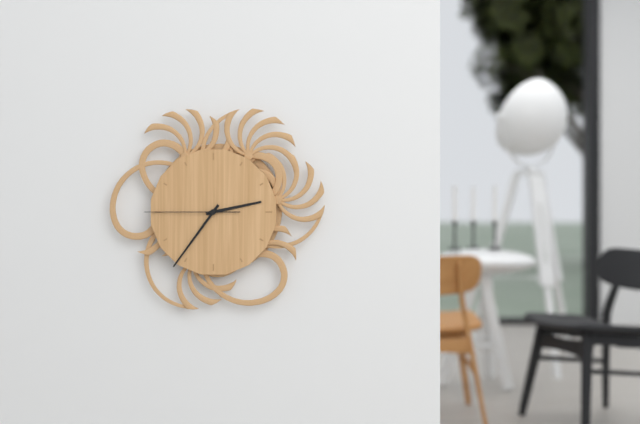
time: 2:36:45
